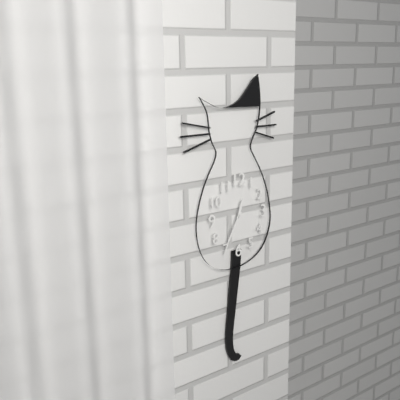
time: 12:35
